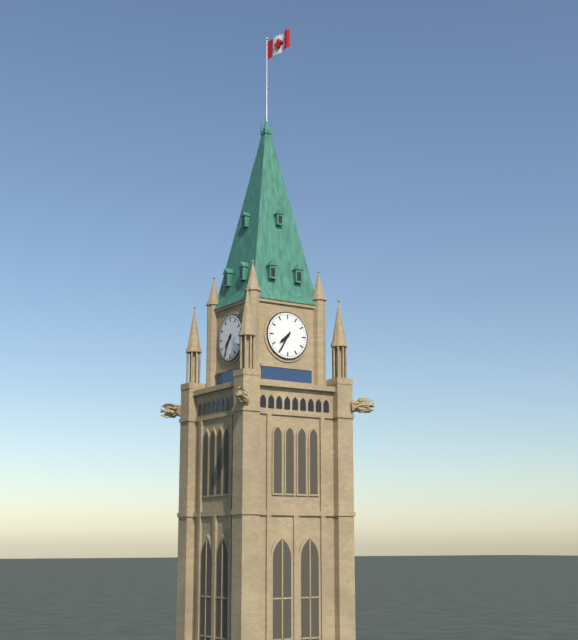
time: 7:35
